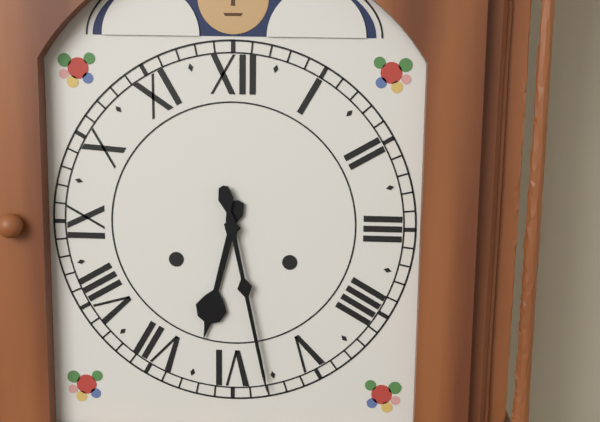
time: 6:28
